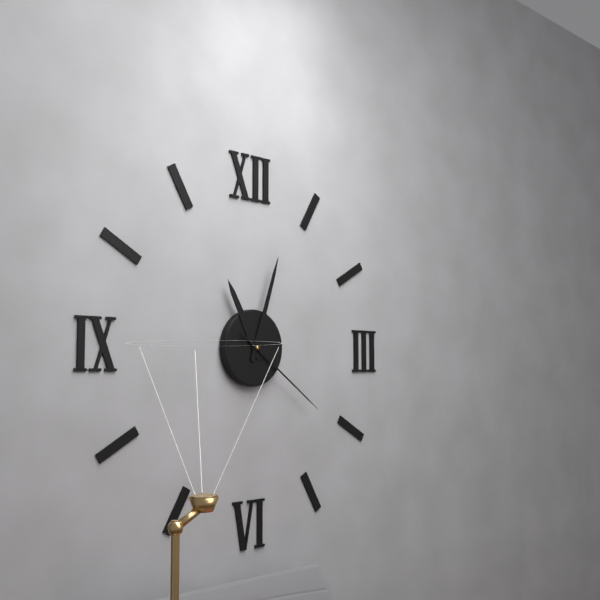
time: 11:03:21
